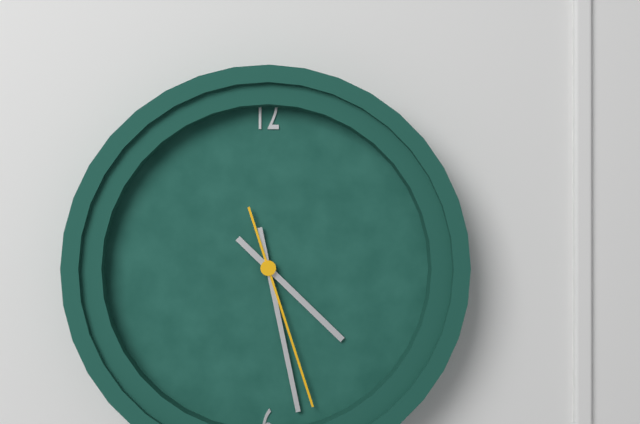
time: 4:28:27
